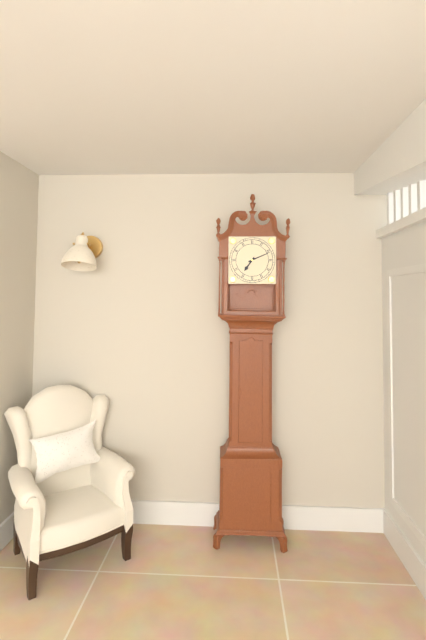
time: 7:11
